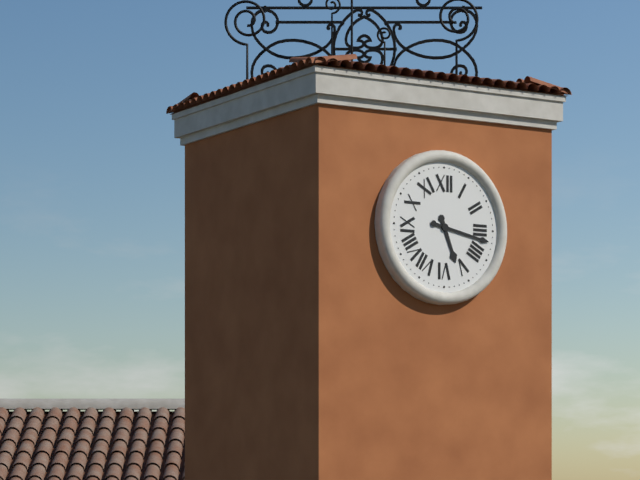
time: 5:17
